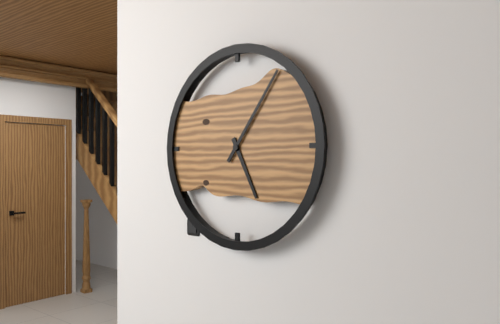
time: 5:06
